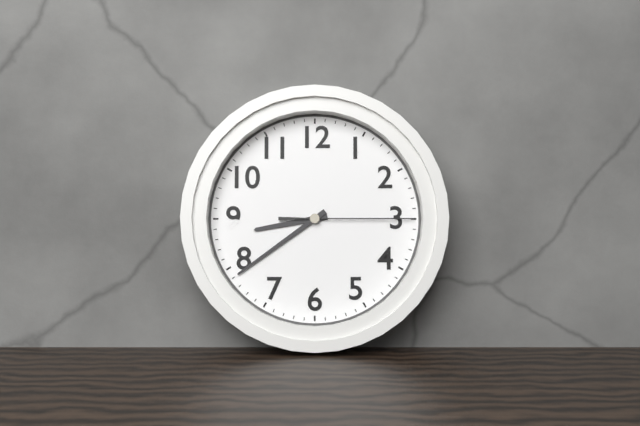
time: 8:39:15
